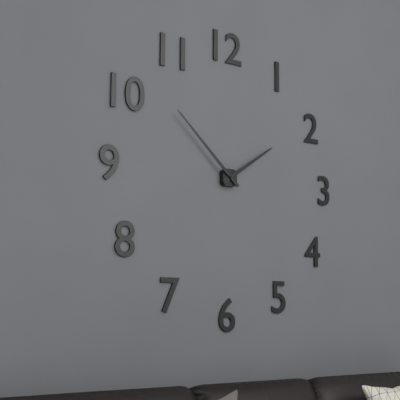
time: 1:52
